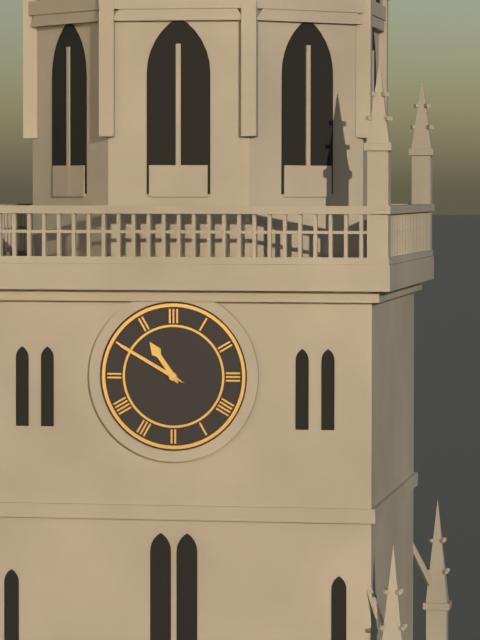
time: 10:50
